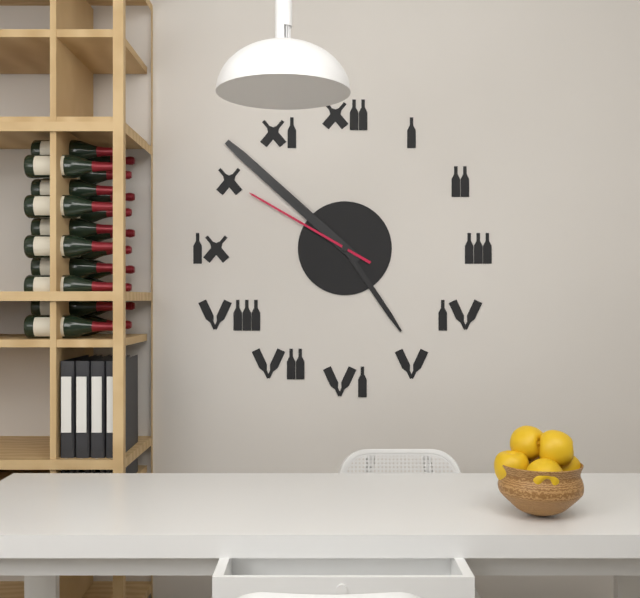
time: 4:52:50
